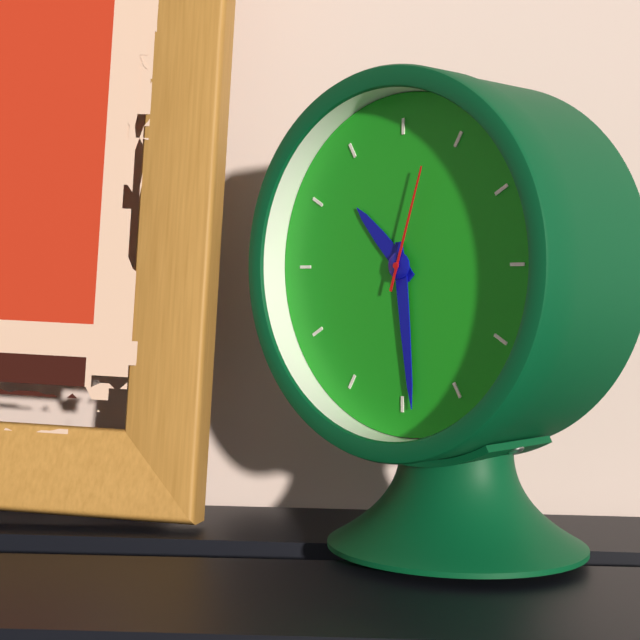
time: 10:29:03
